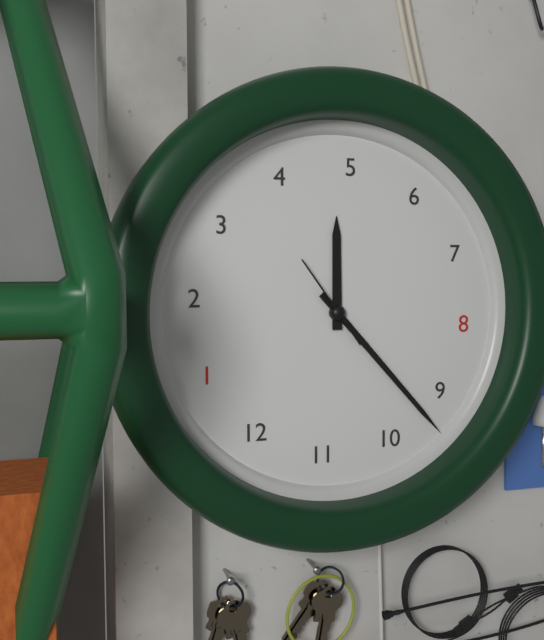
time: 4:47:18
